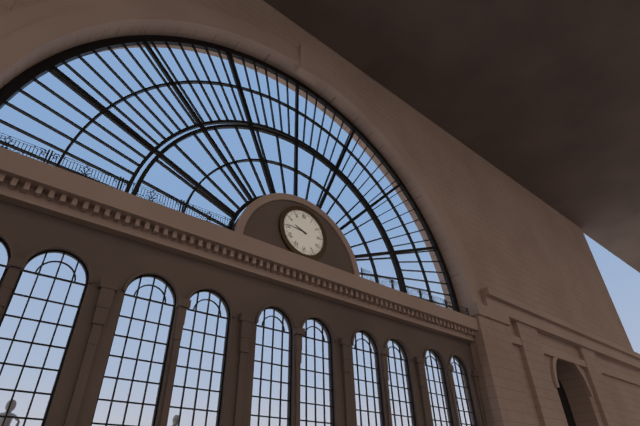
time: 9:46
